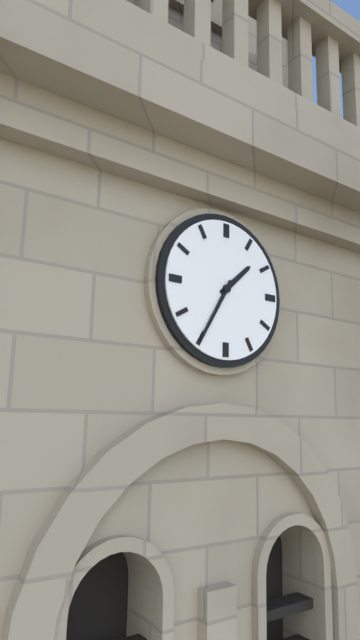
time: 1:35
